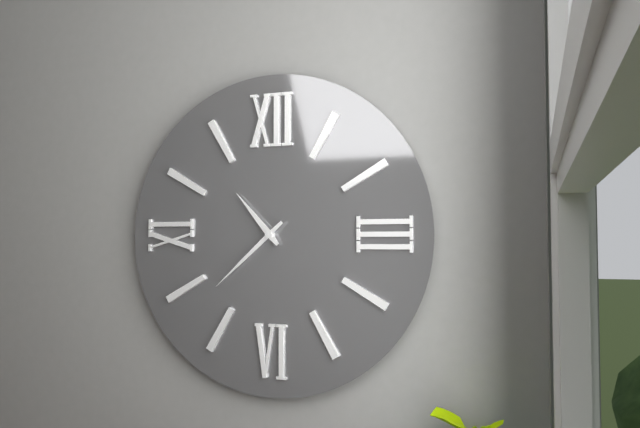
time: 10:38
